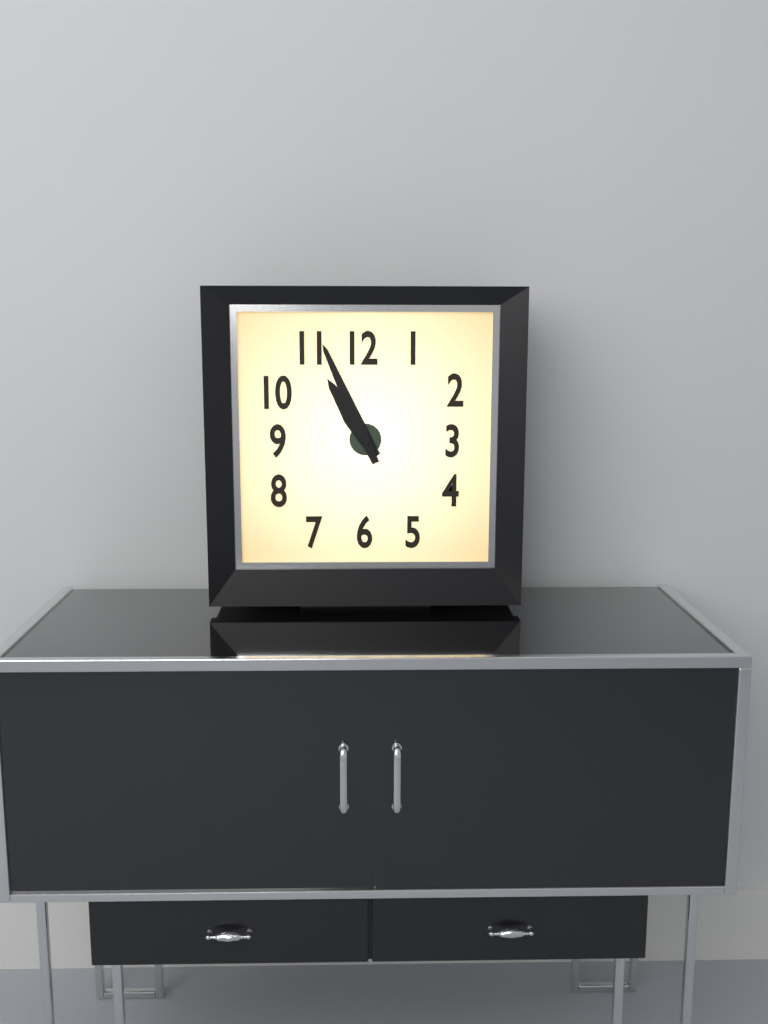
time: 10:56
